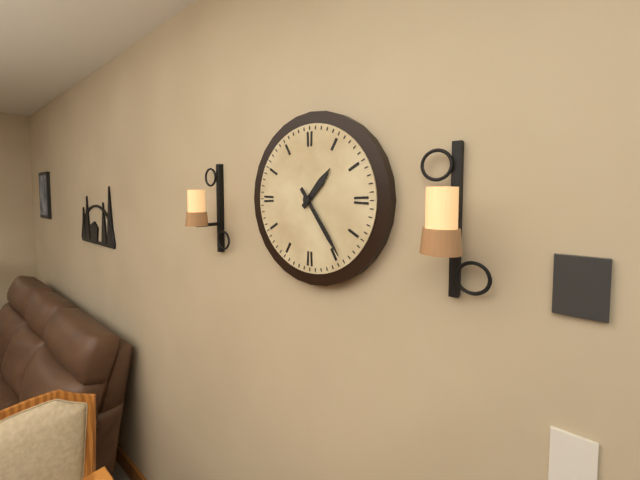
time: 1:24
